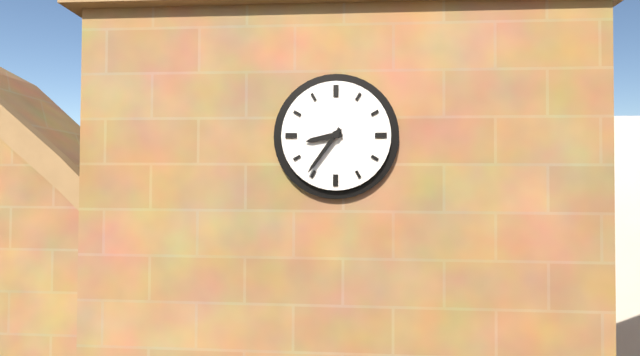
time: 8:36
